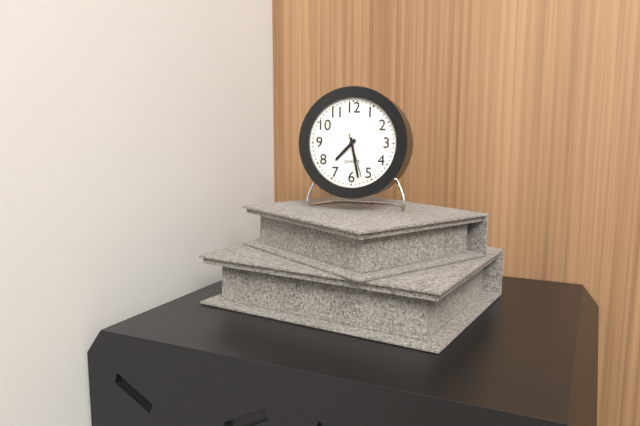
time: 7:28
